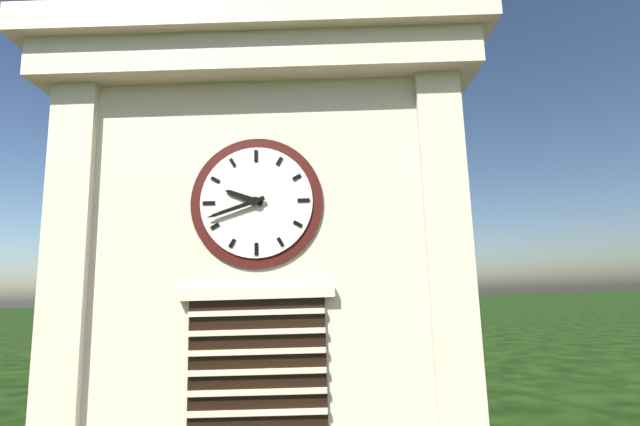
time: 9:42
